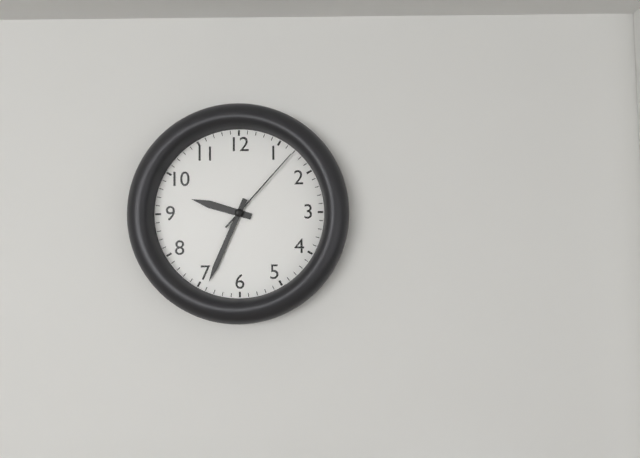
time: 9:34:07
